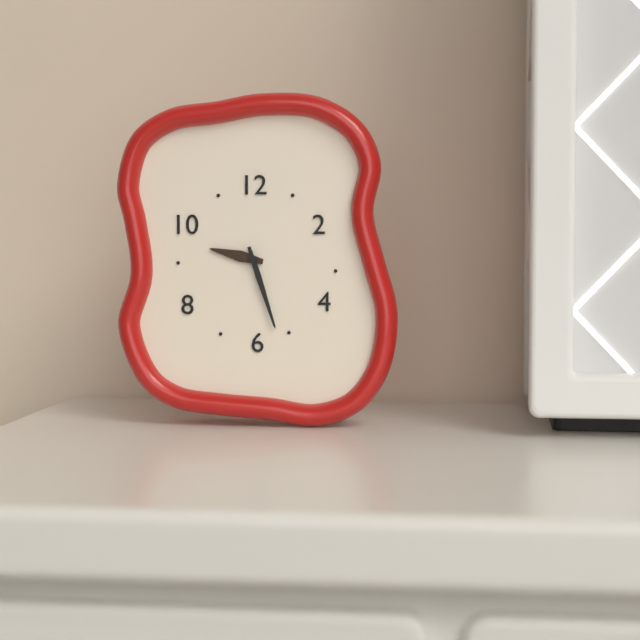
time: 9:27
